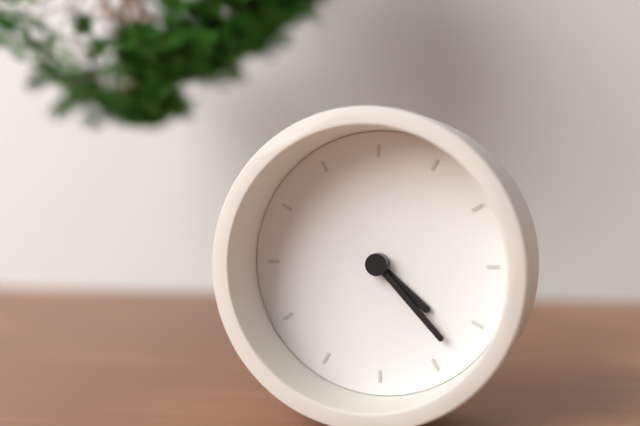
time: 4:23
